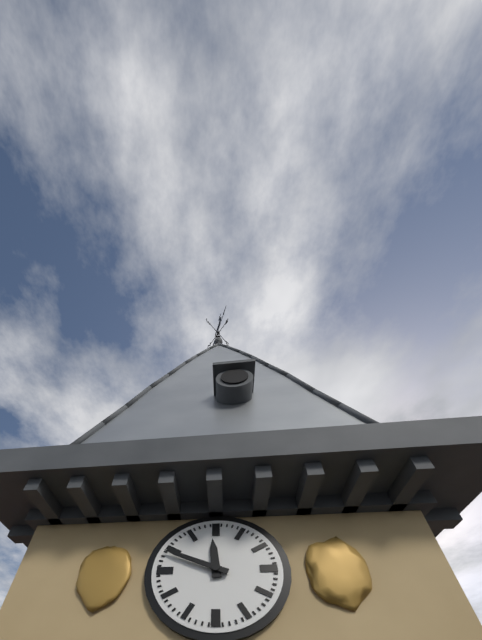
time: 11:49
